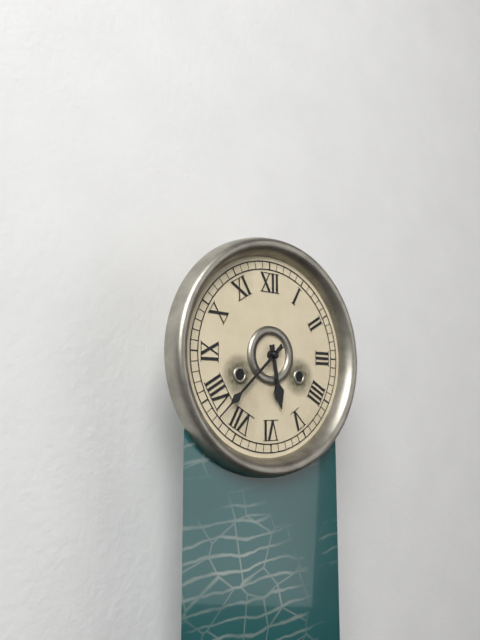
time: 5:38
